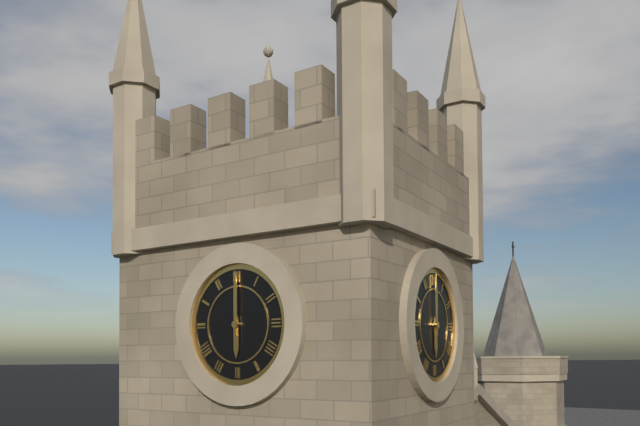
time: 6:00
